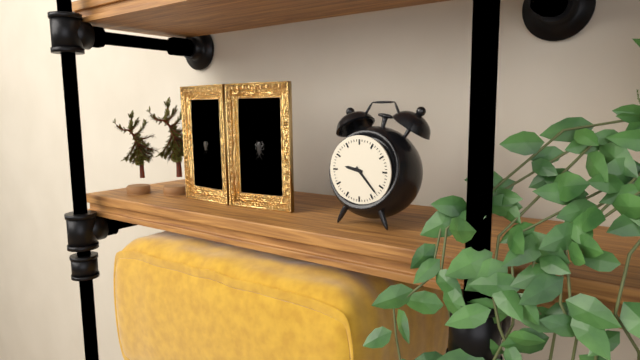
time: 9:23
